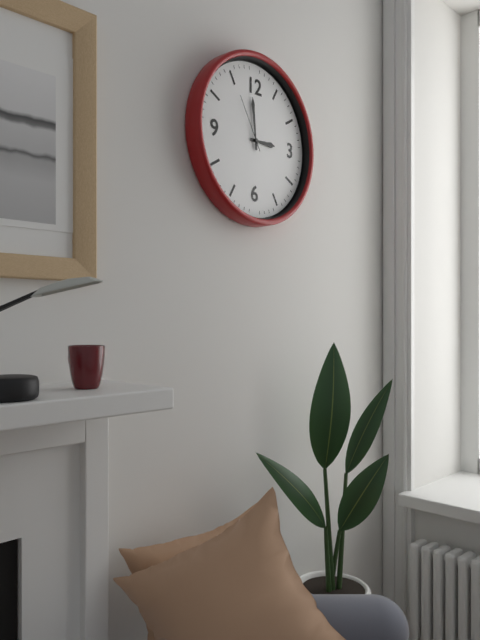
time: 2:59:55
